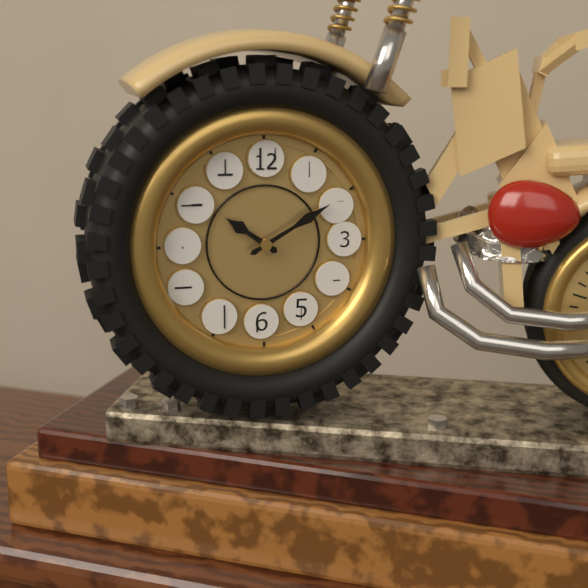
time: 10:10
